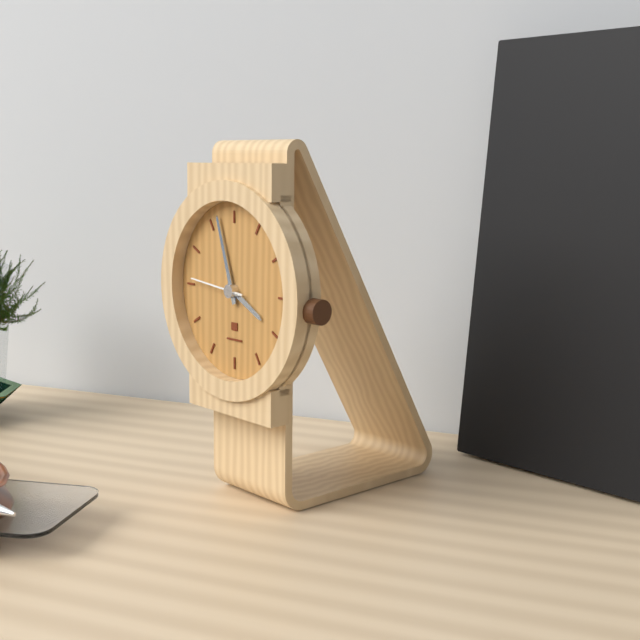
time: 3:57:46
